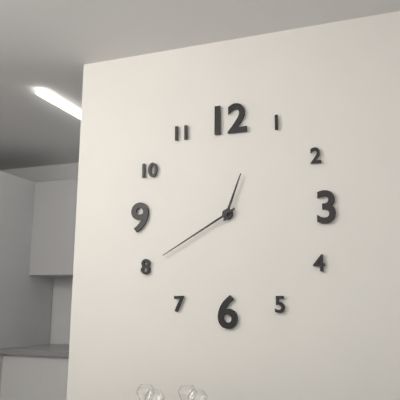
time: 12:40
